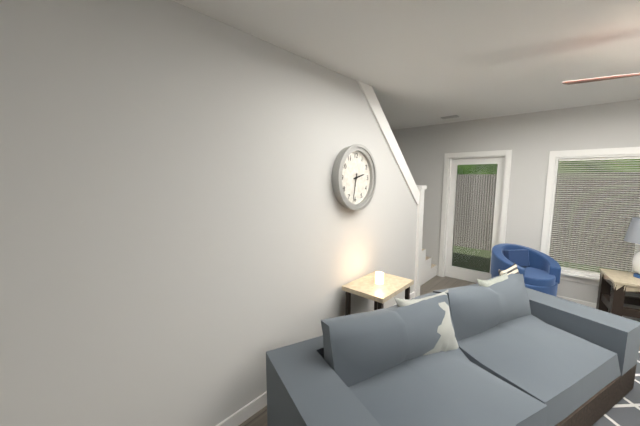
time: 2:32
